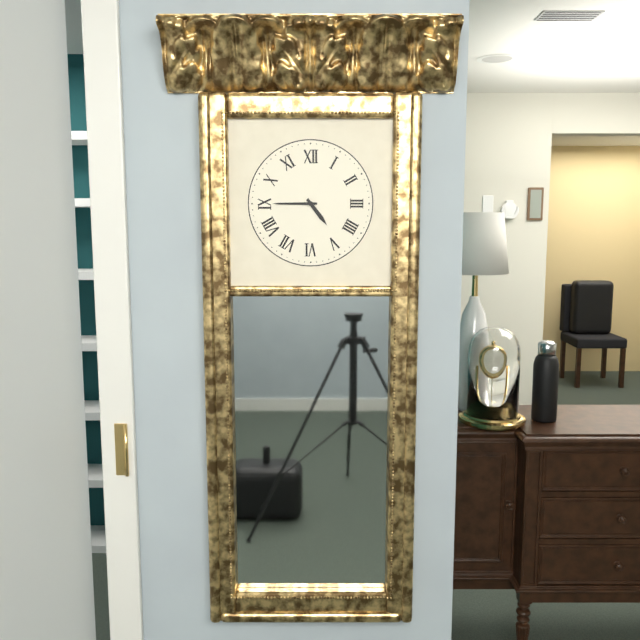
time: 4:45
